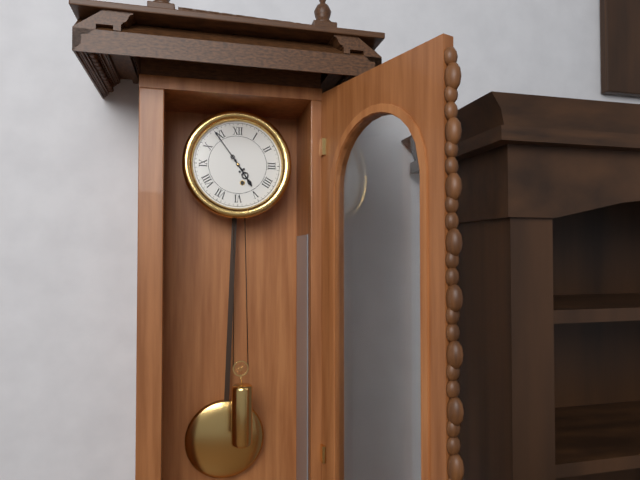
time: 4:54
